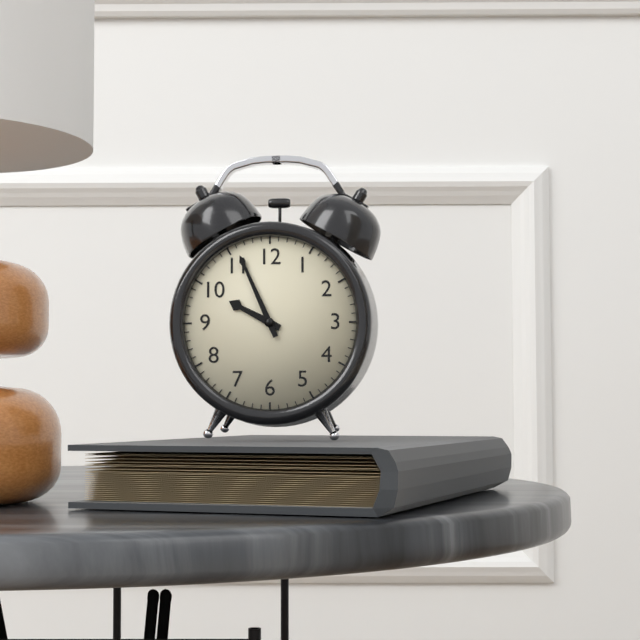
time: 9:56
